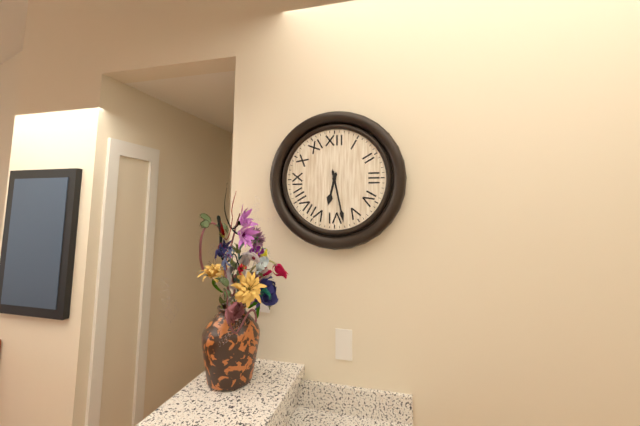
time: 6:28
